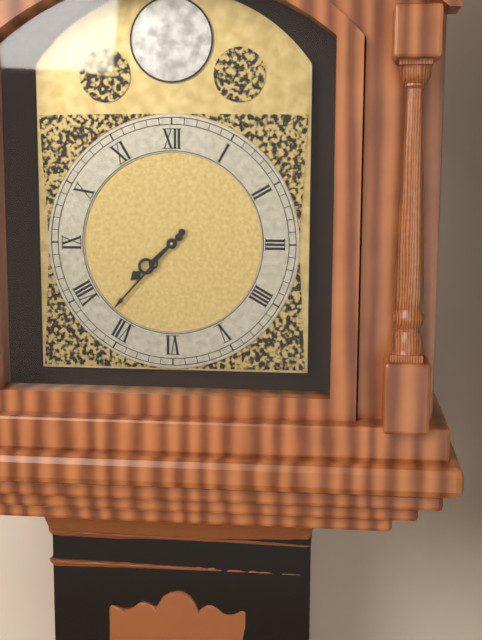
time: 7:37
